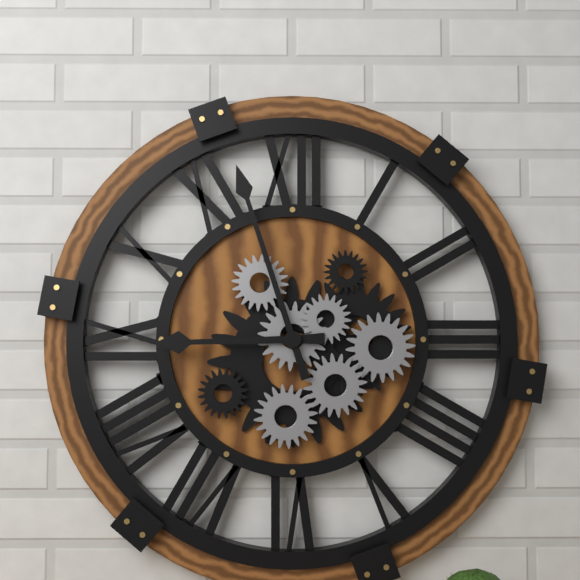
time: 8:57
